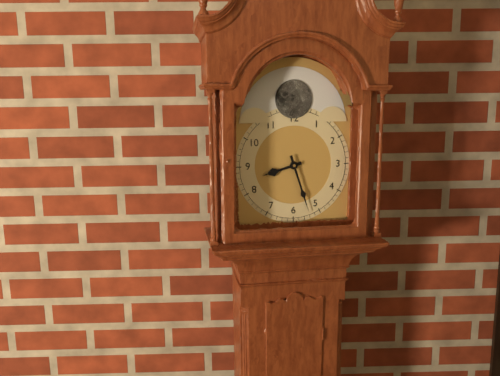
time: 8:27
